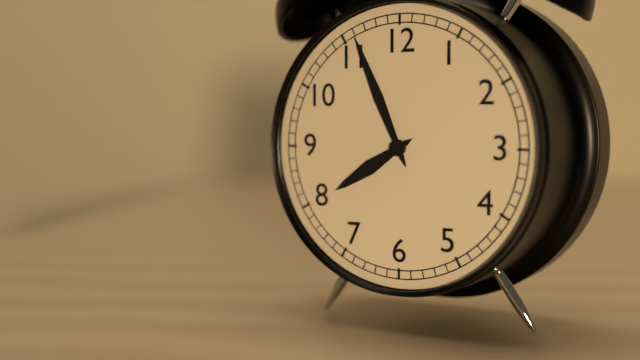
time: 7:56
